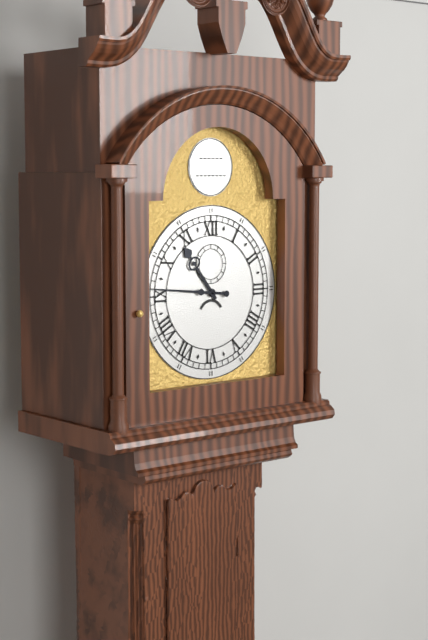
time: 10:46
